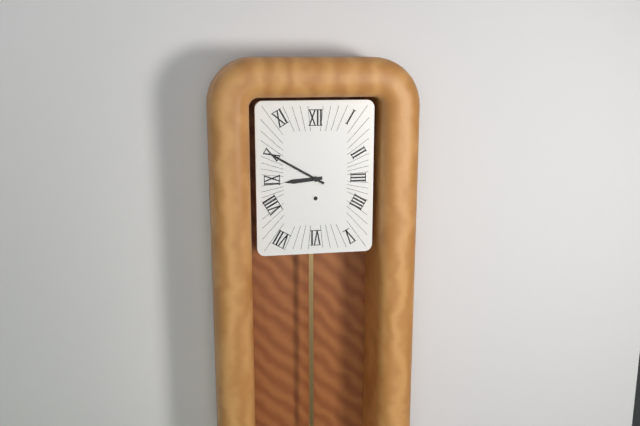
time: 8:50
